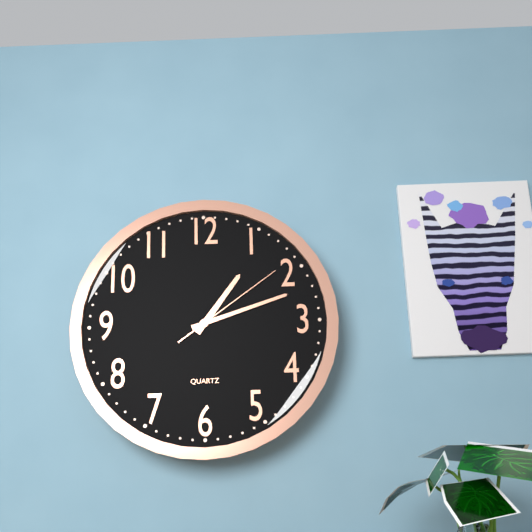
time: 1:12:09
